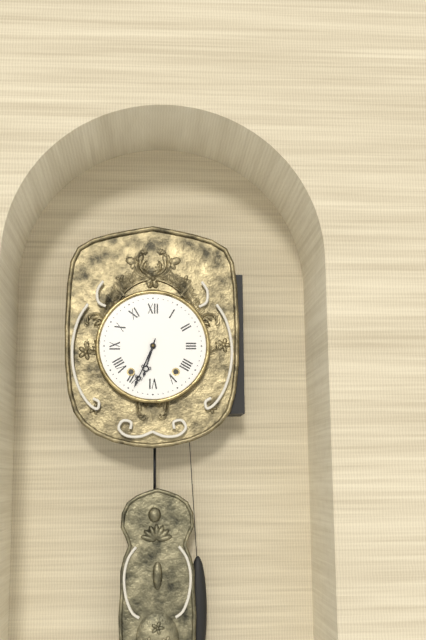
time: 6:34
